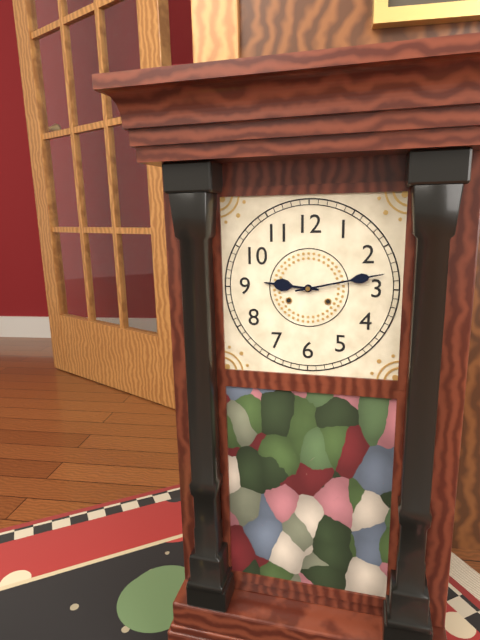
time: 9:13
